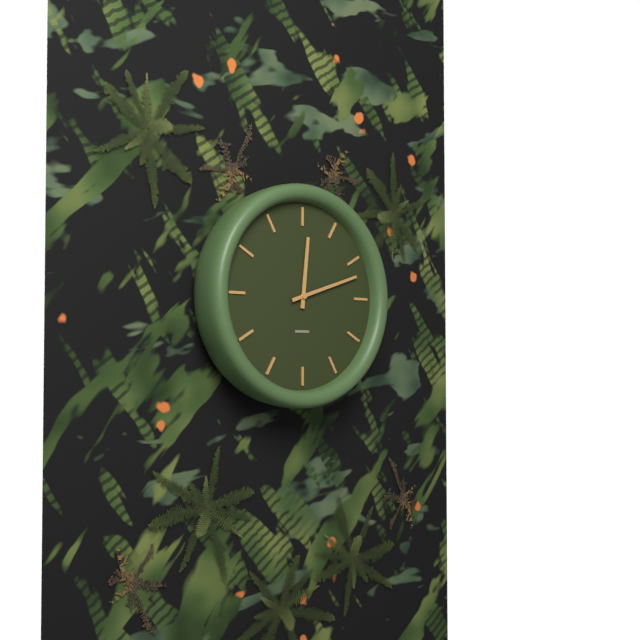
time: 12:12
